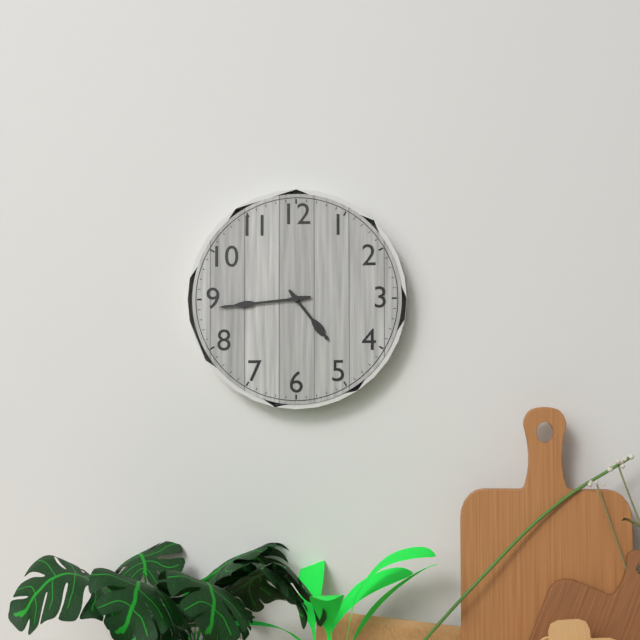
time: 4:44
